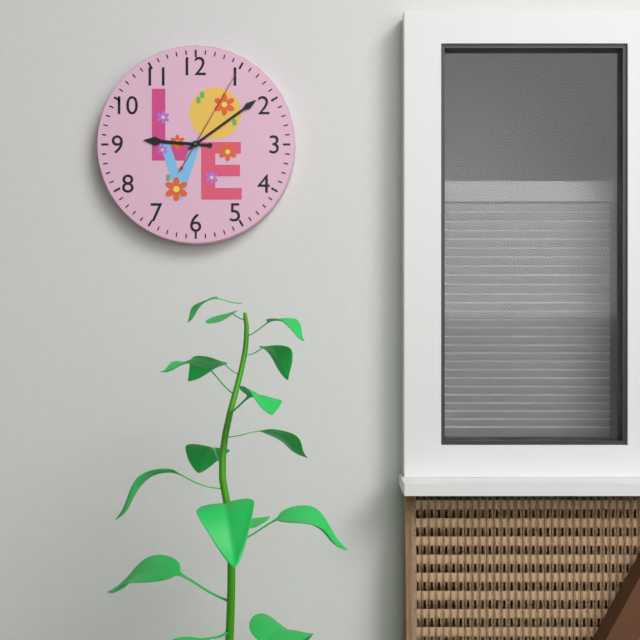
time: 9:09:05
